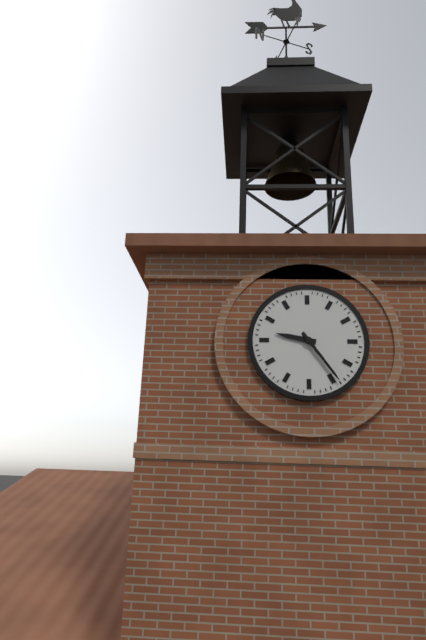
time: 9:24
